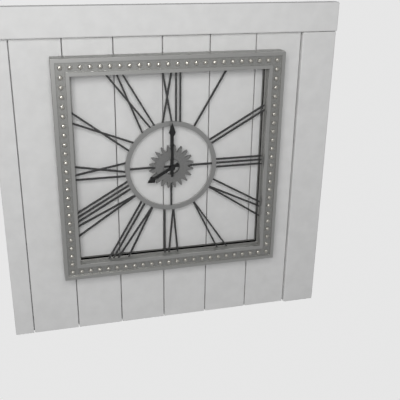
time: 8:00
